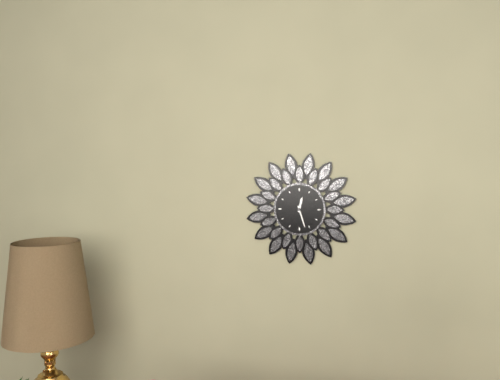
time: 12:27
